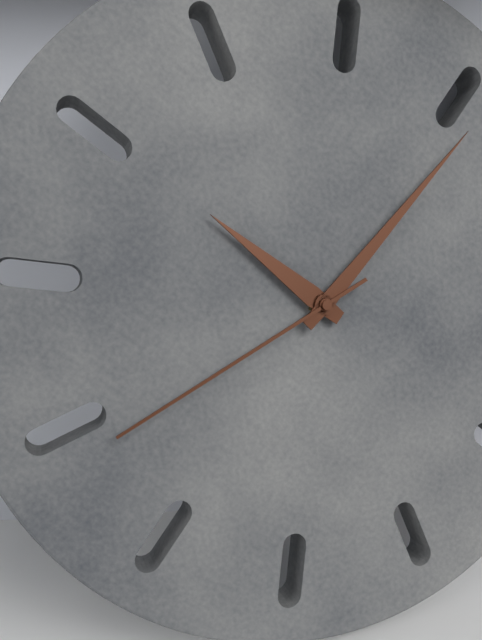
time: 9:01:34
